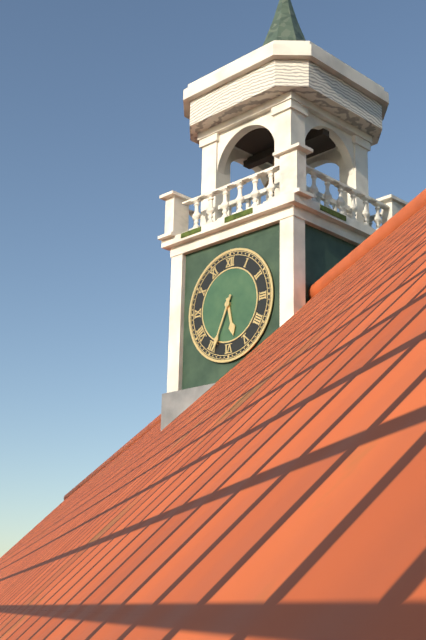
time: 5:34
